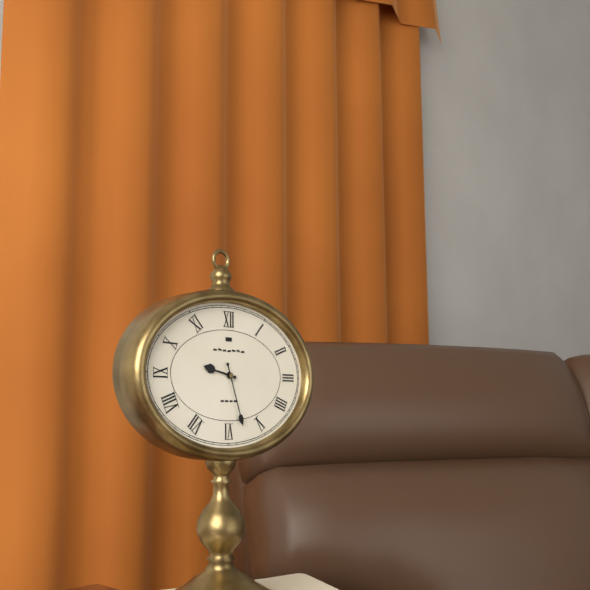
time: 9:27
